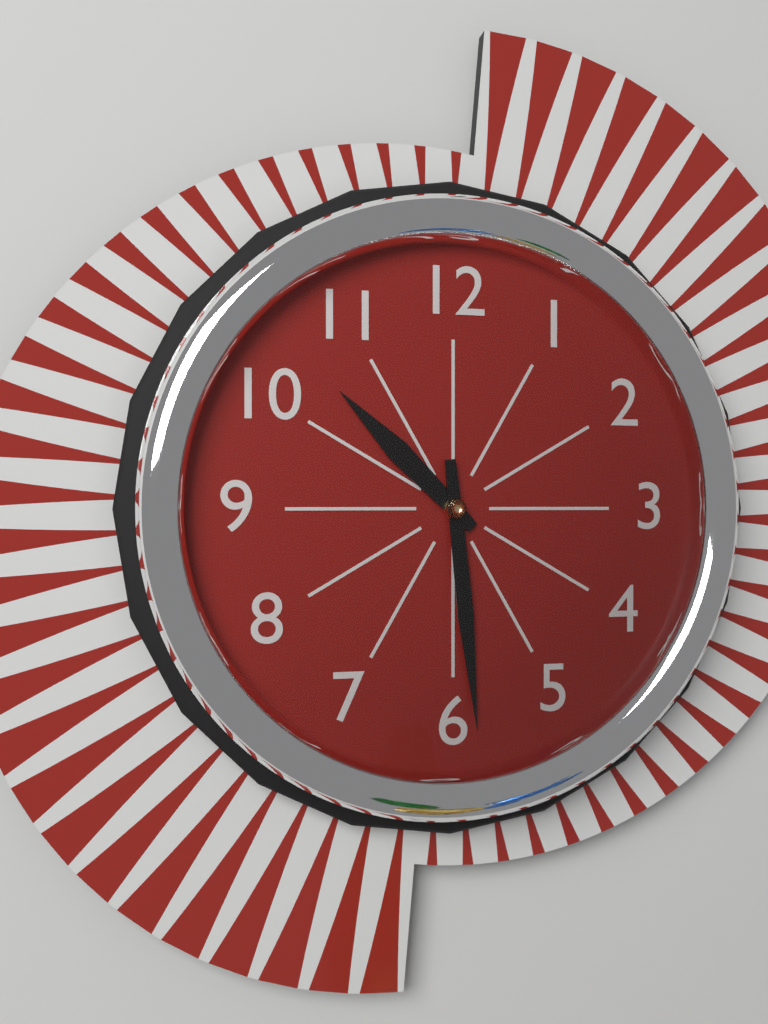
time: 10:29
